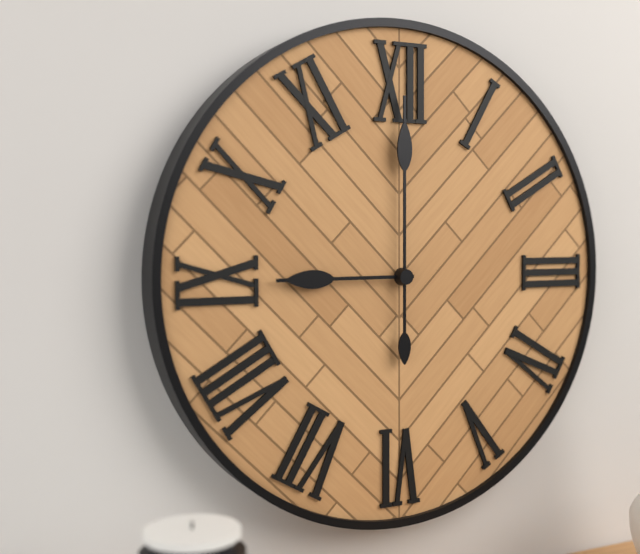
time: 9:00
